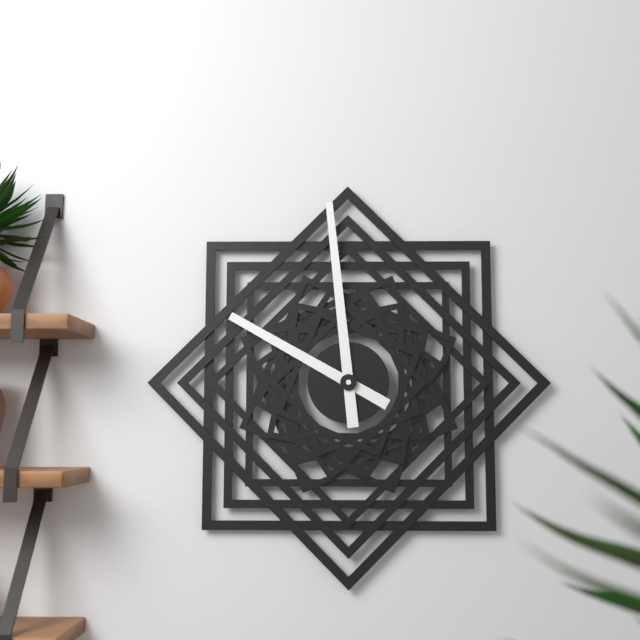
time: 9:59
